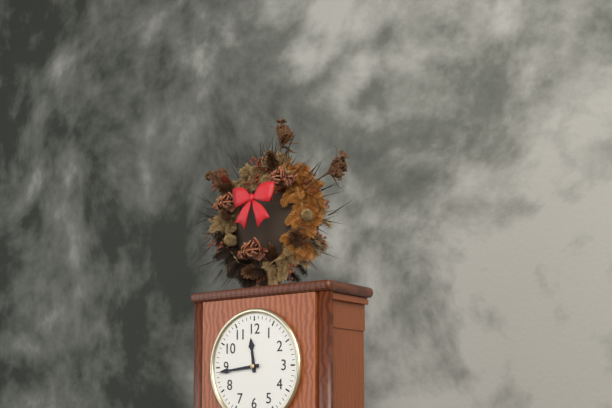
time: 11:44
